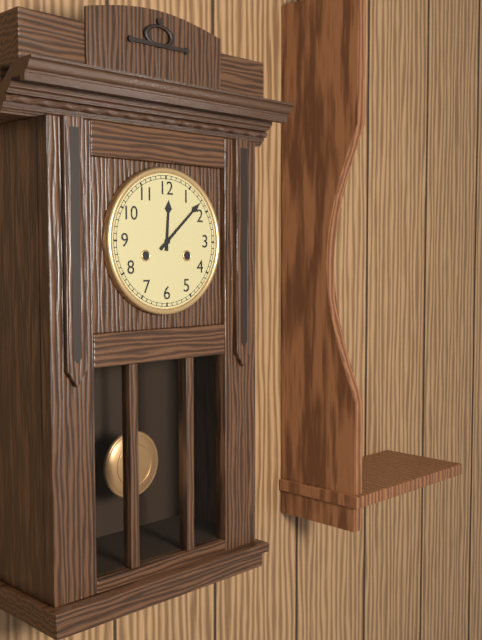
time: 12:08
